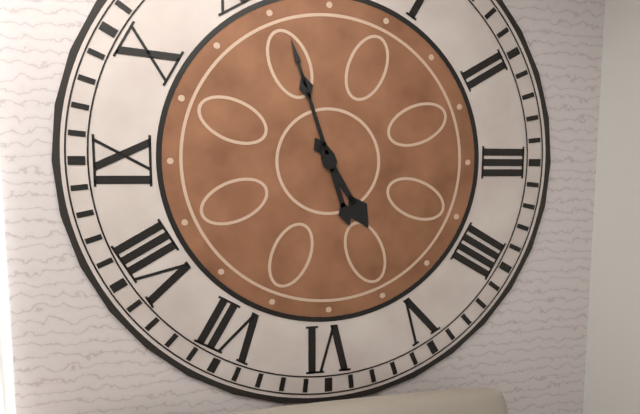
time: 4:57
